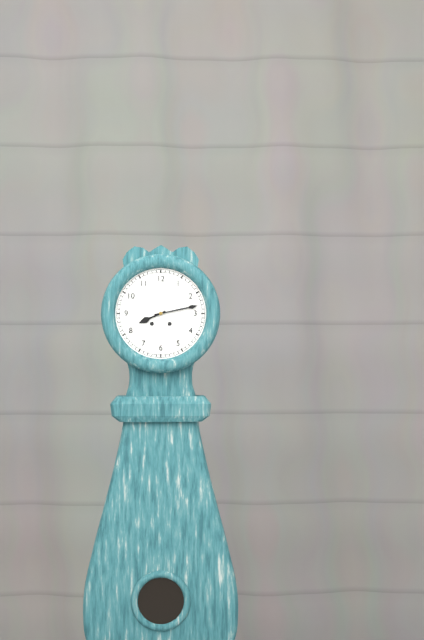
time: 8:13
